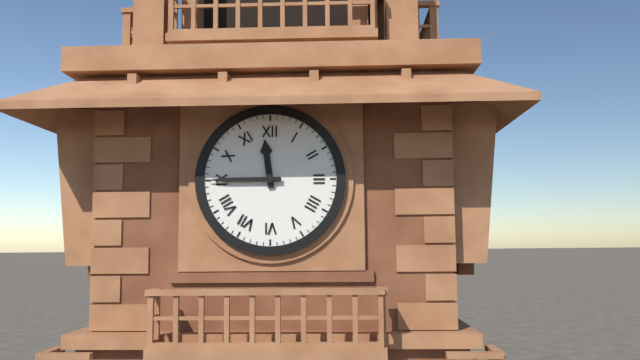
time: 11:45
